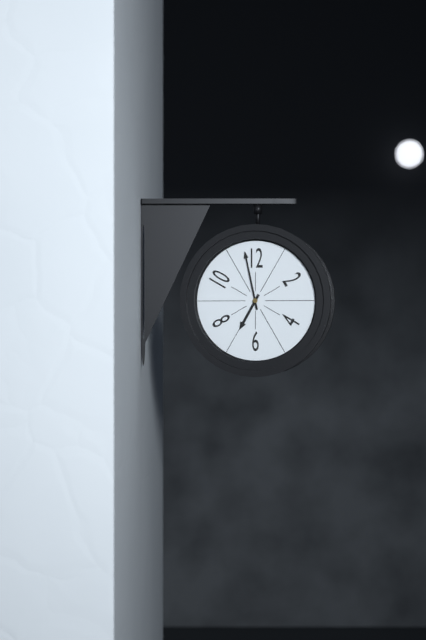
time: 6:58
